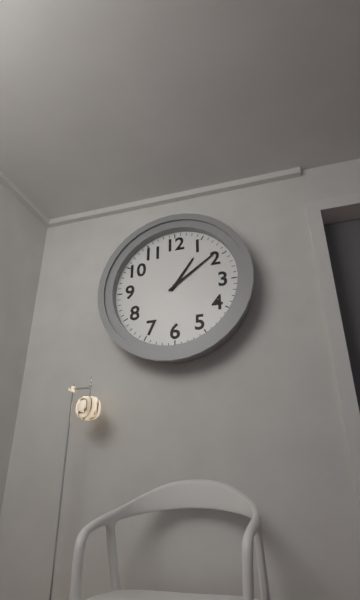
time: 1:09
